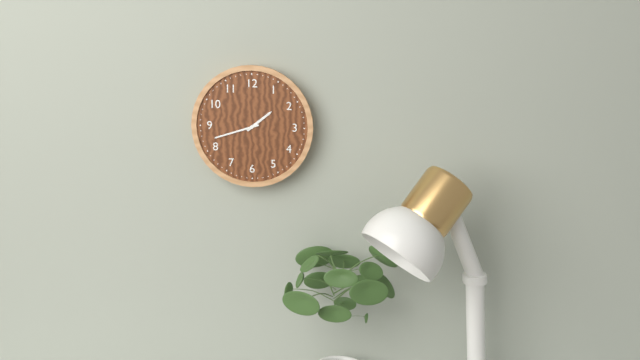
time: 1:42
